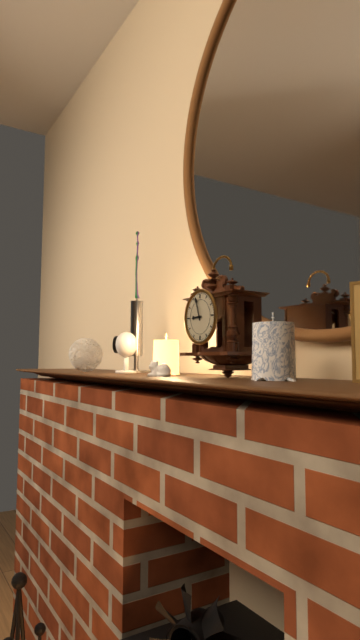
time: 8:57
